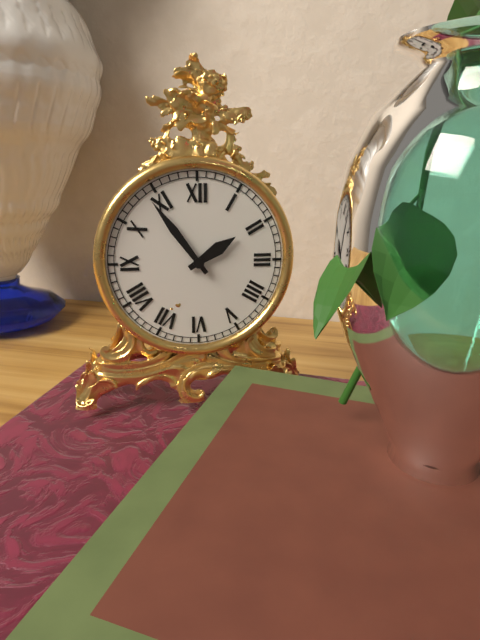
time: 1:54
